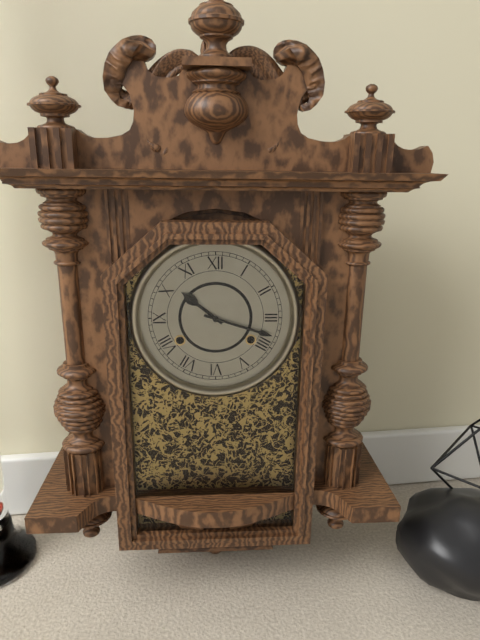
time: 10:18
